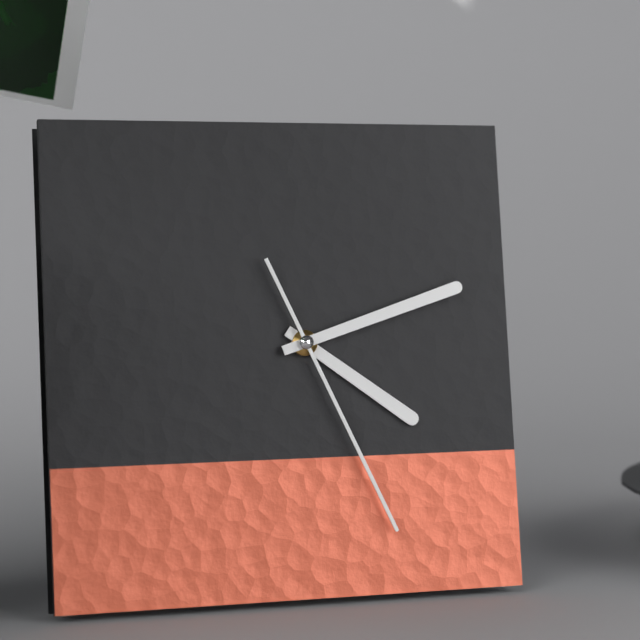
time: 4:12:26
